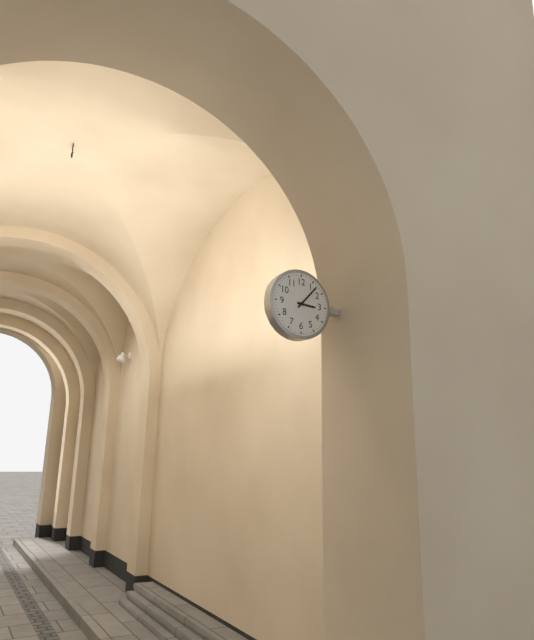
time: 3:07
